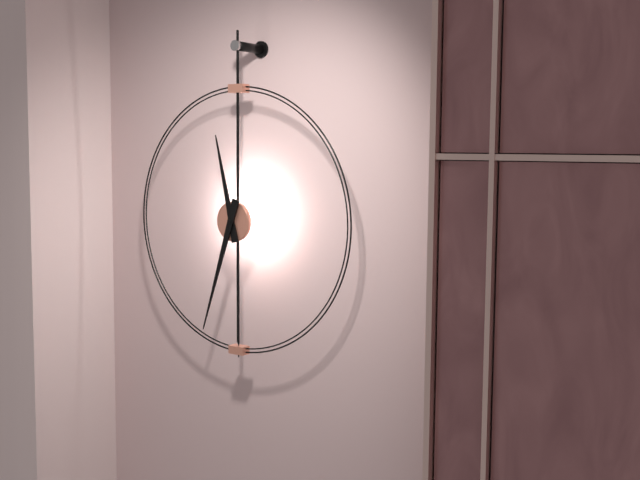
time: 11:33
